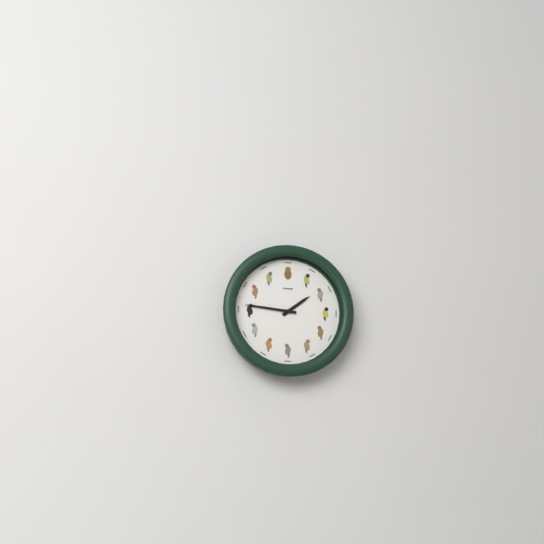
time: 1:46
